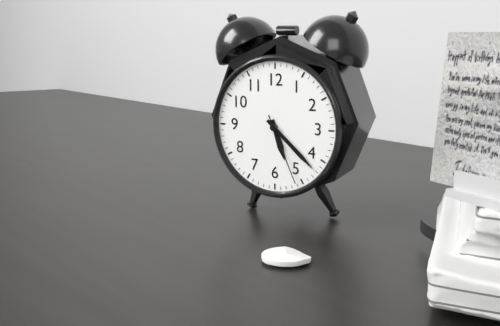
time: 5:22:26
